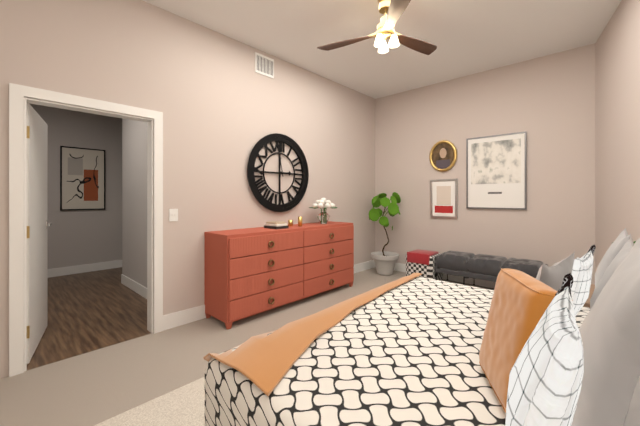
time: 2:58
